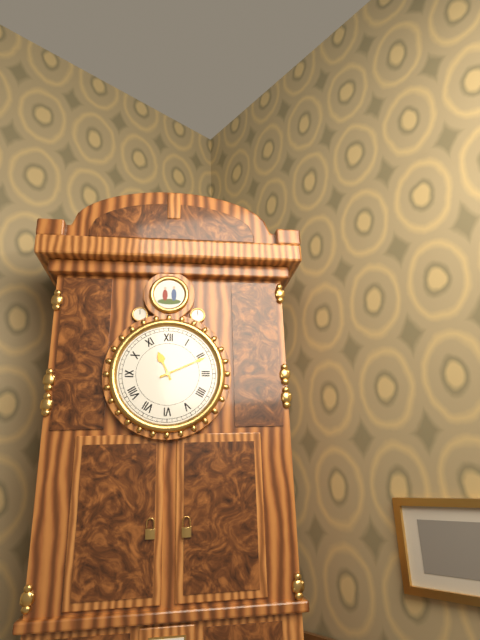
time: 11:11
